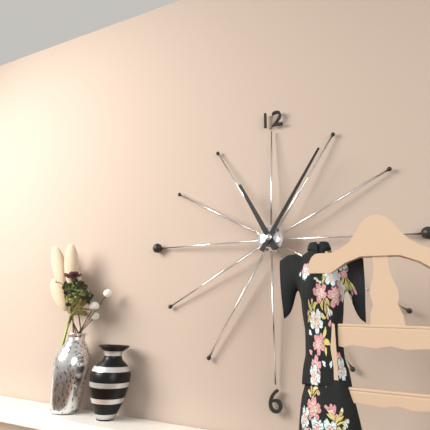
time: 11:05
